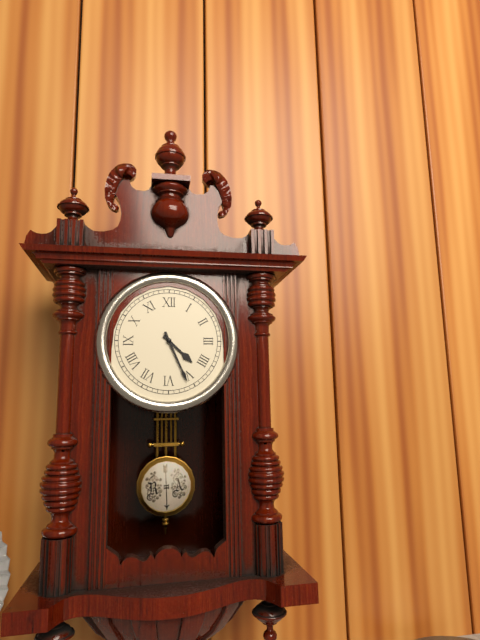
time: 4:26
